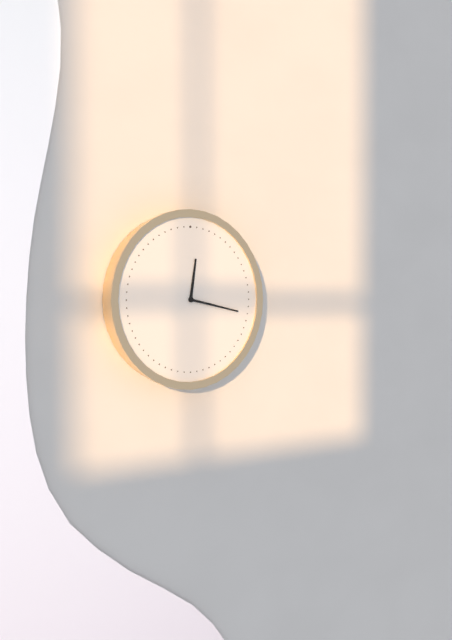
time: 12:17
